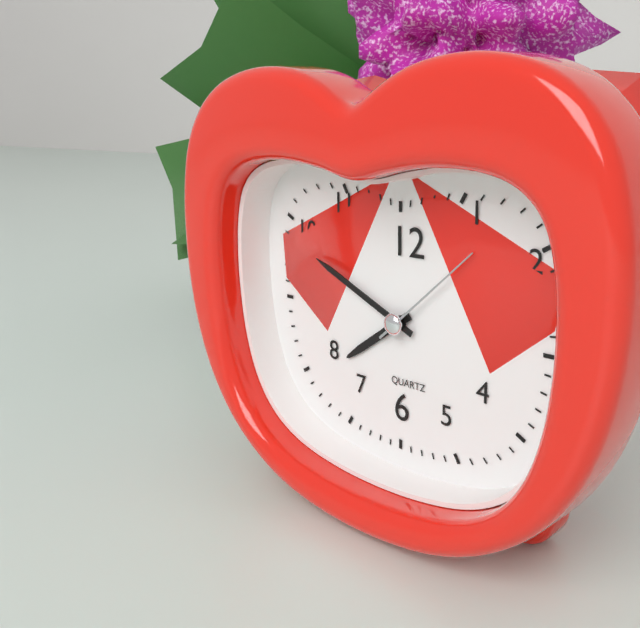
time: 7:49:08
